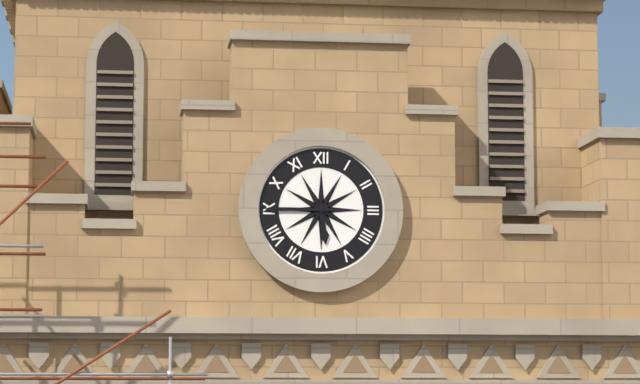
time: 5:45
